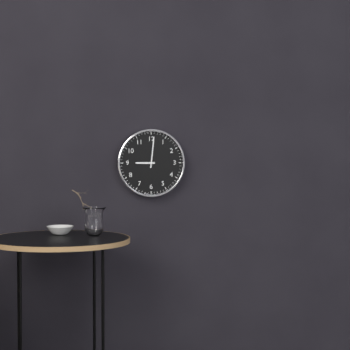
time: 9:01
